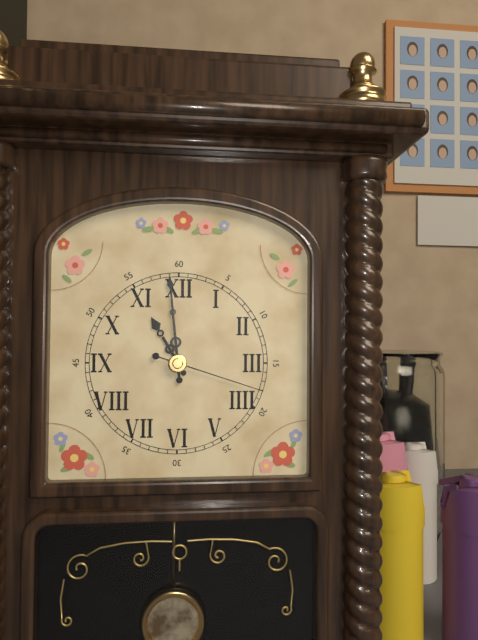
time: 10:59:18
